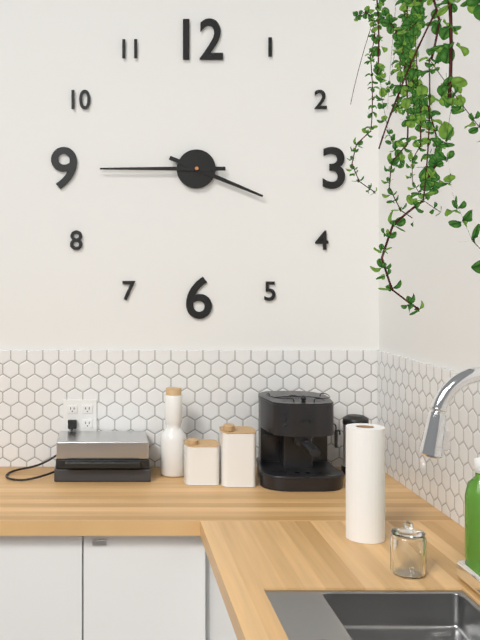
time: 3:45
